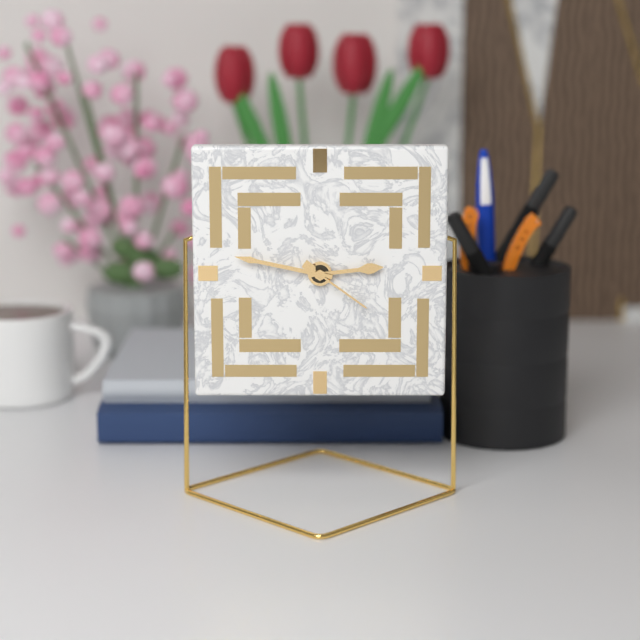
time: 2:47:21
